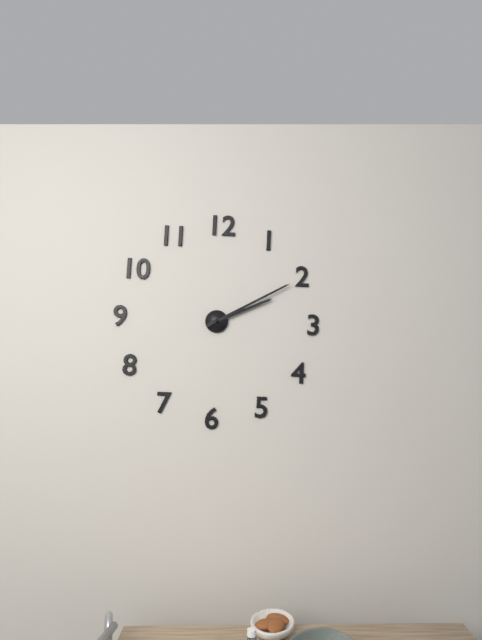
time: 2:10
